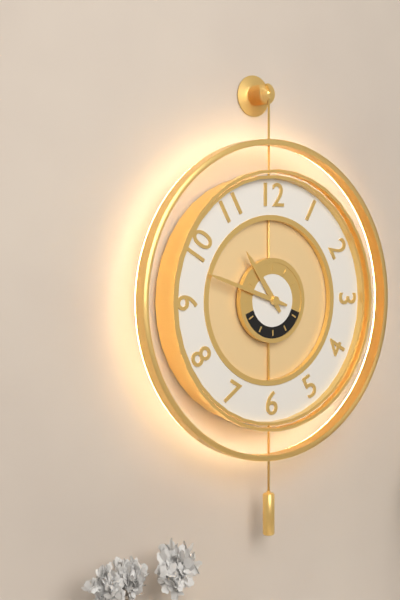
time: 10:48
